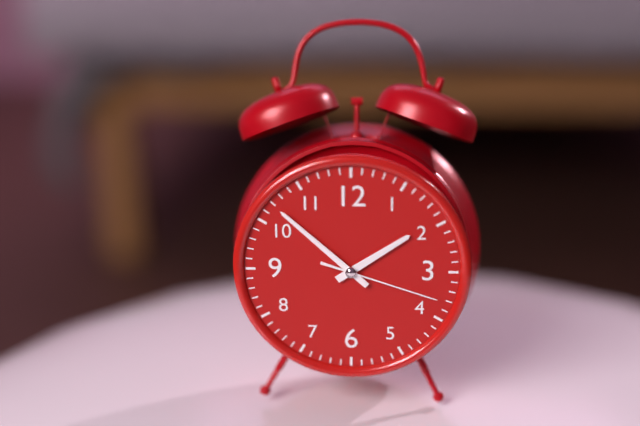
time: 1:52:18
